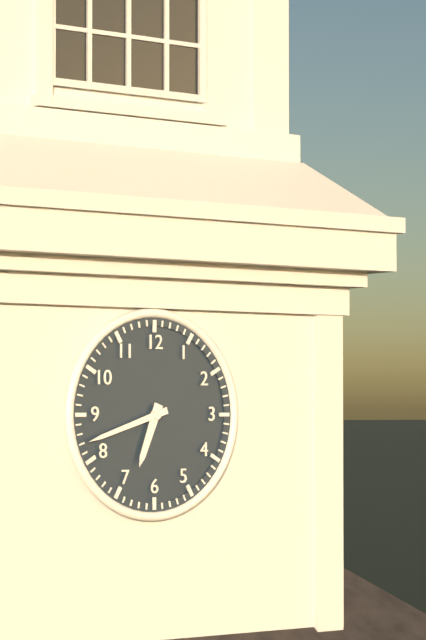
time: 6:42
